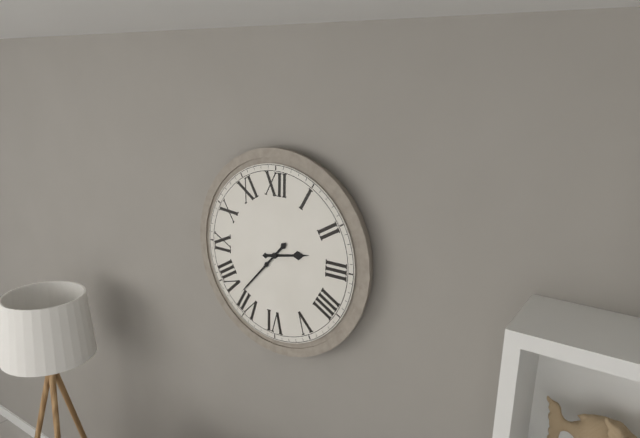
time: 2:37
